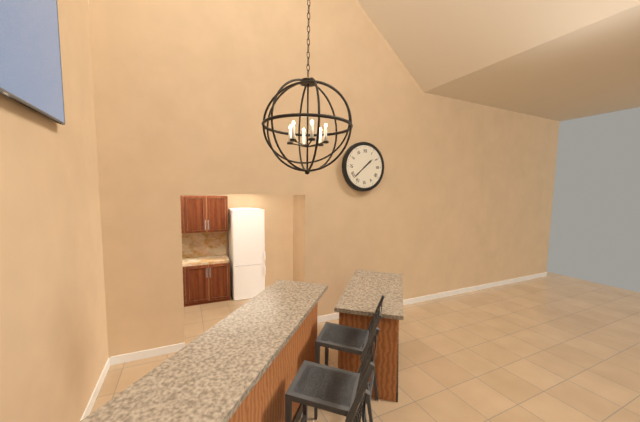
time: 1:38
